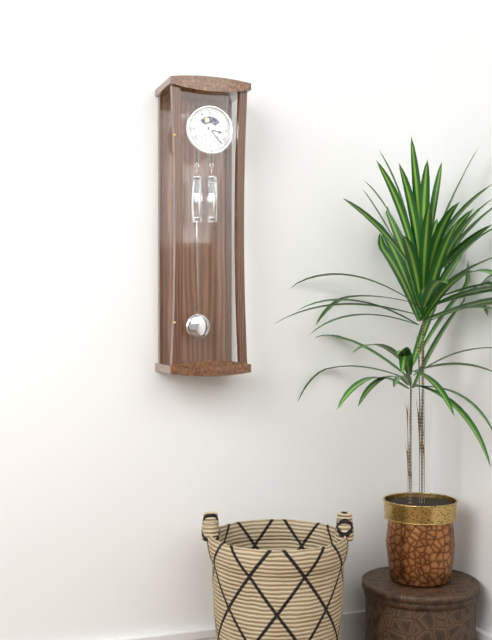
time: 3:23
